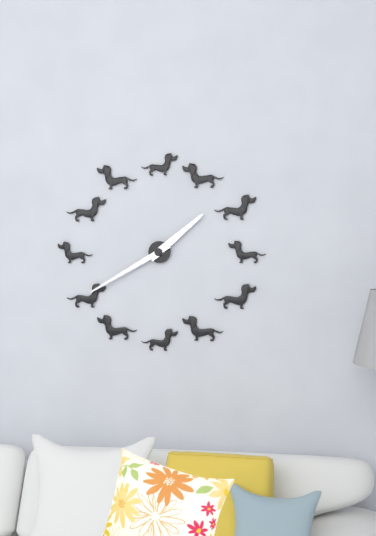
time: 1:40
